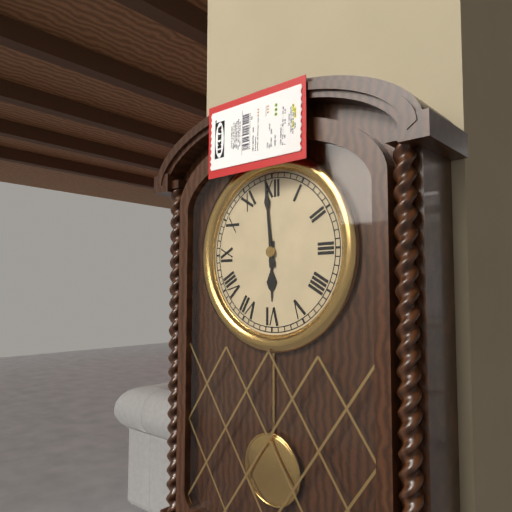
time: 5:59
